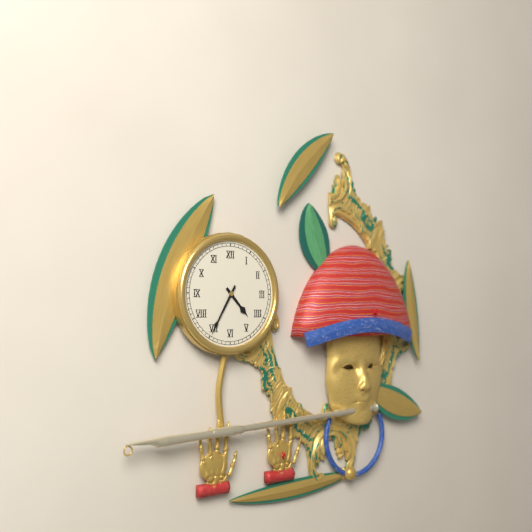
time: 4:35
